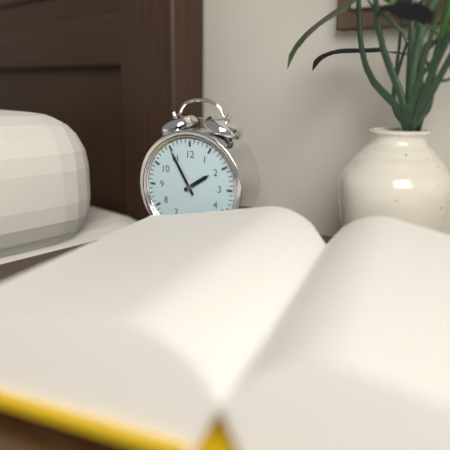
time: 1:55
